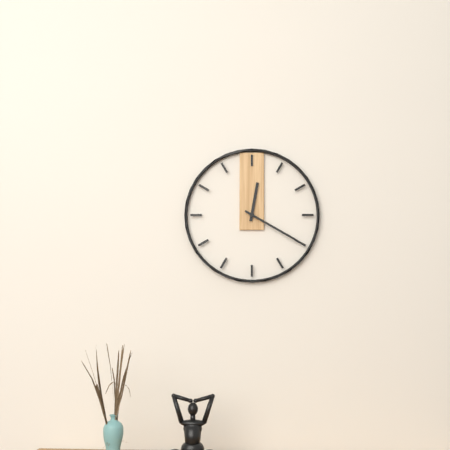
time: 12:20
